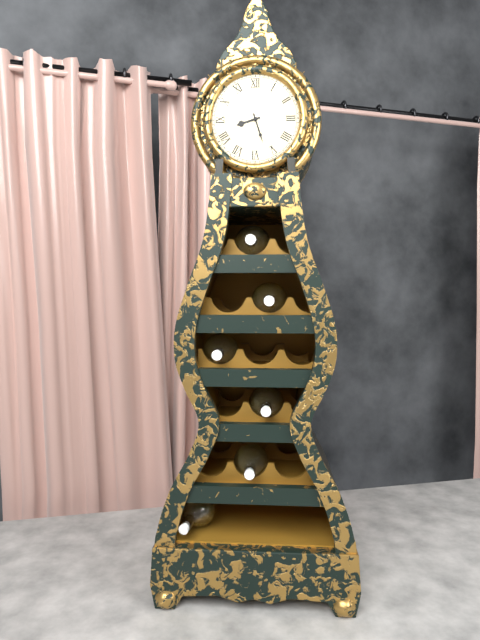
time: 8:27
